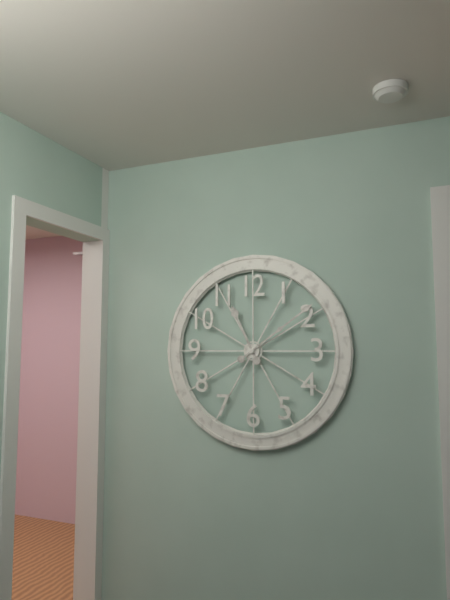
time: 11:09
